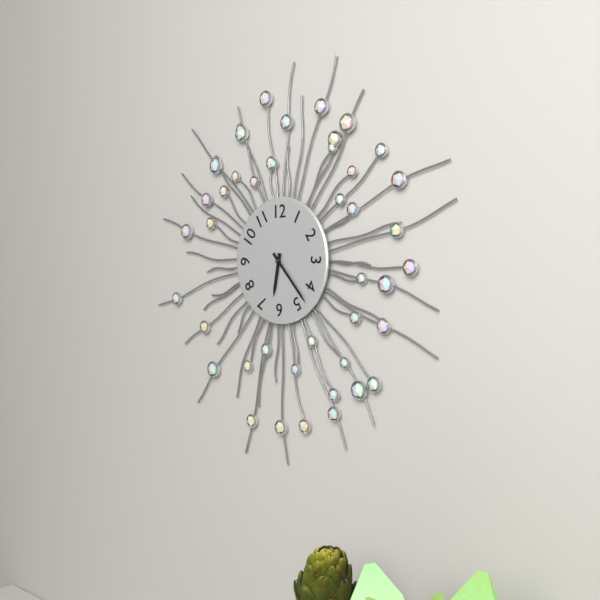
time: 6:23
